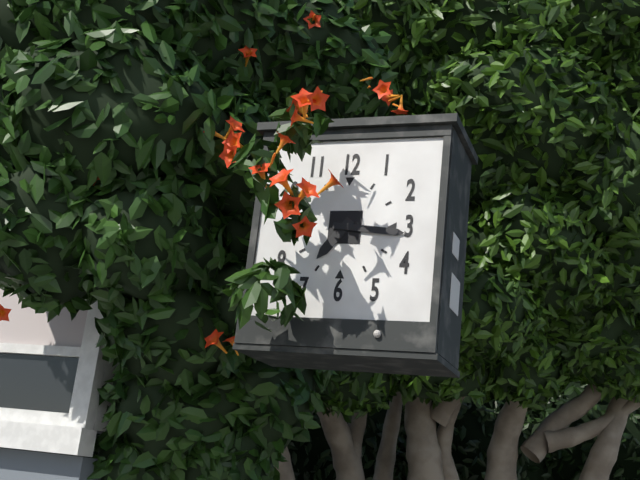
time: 7:16
